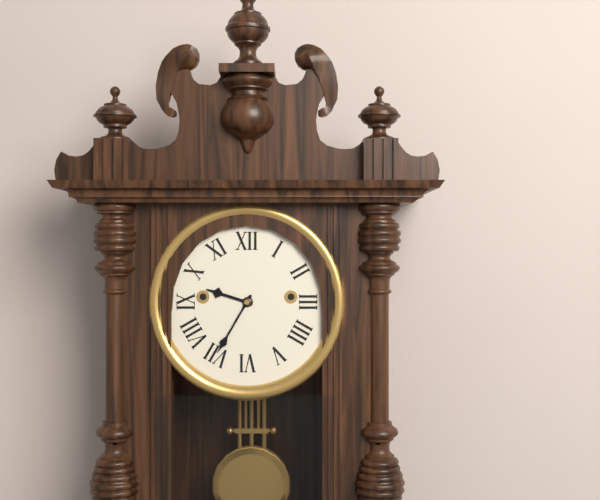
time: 9:35
